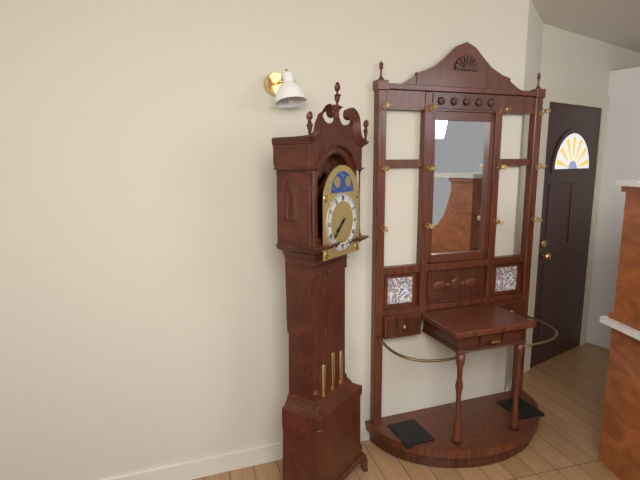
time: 7:38
